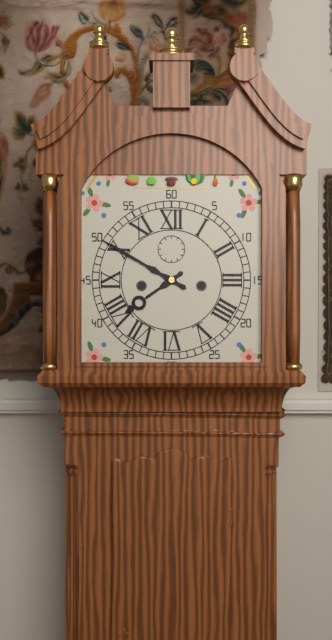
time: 7:50
